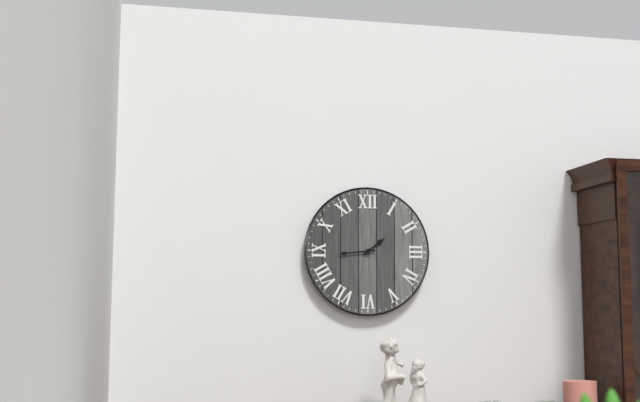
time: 1:44
